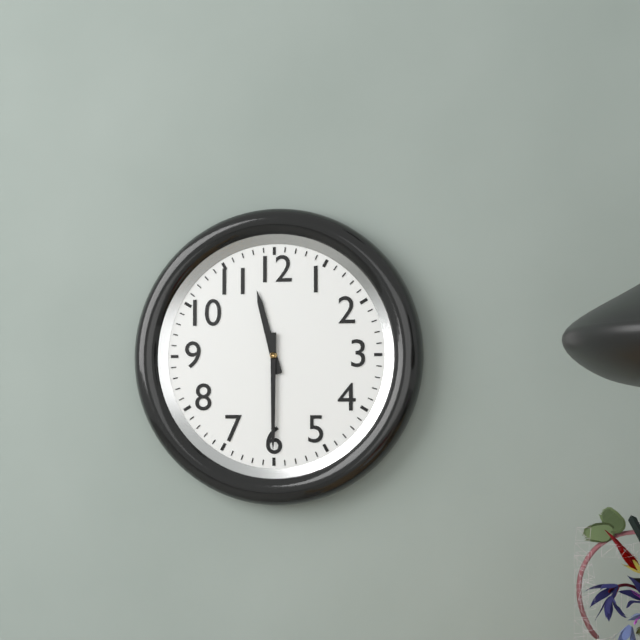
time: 11:30
